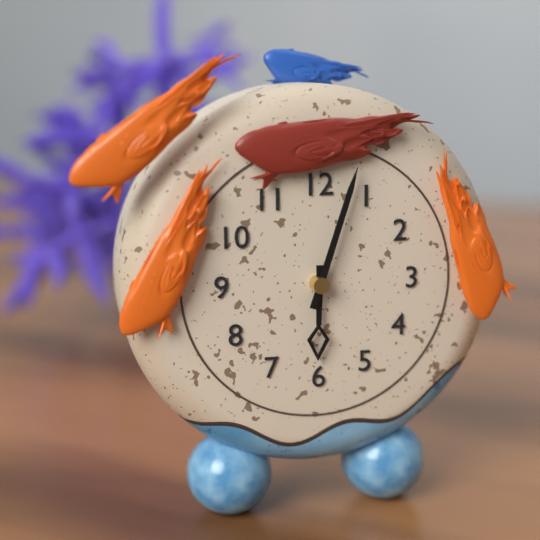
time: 6:03
